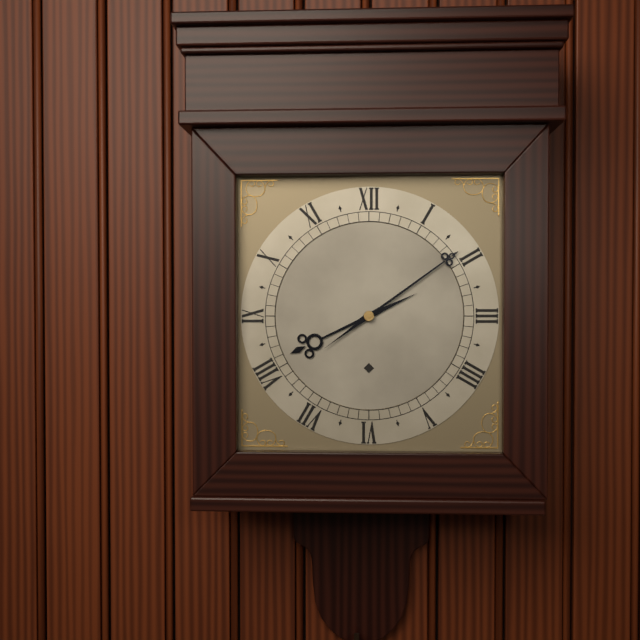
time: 8:09
